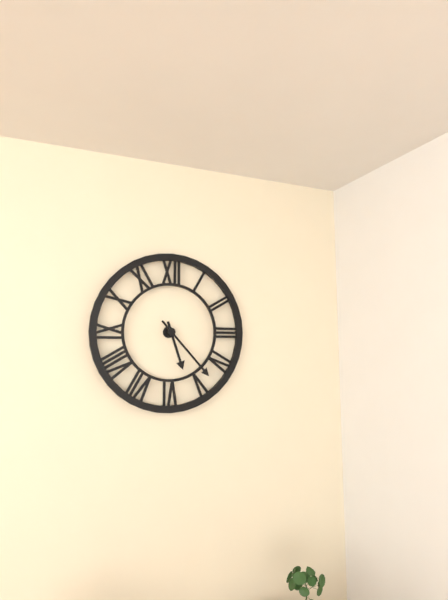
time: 5:23
